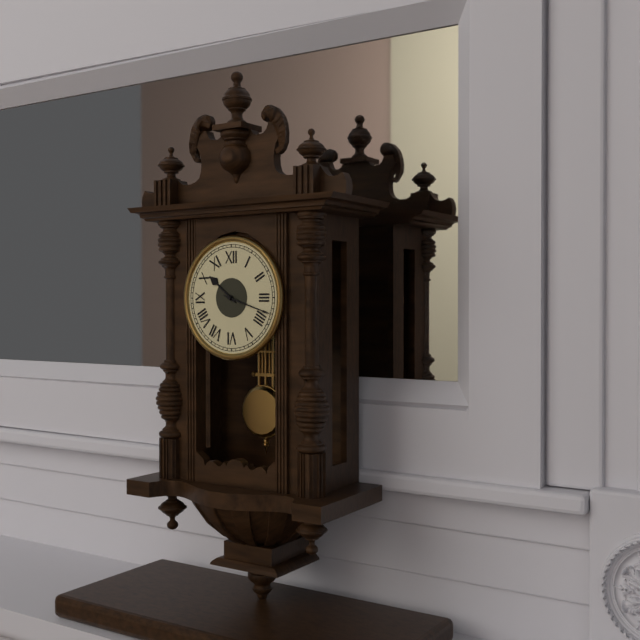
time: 10:18
